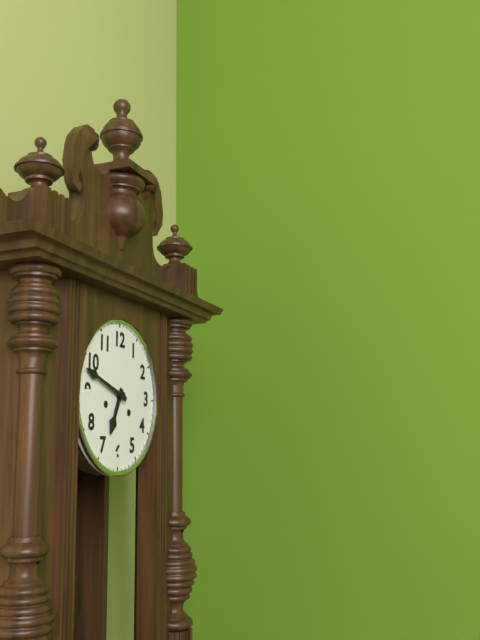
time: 6:48
